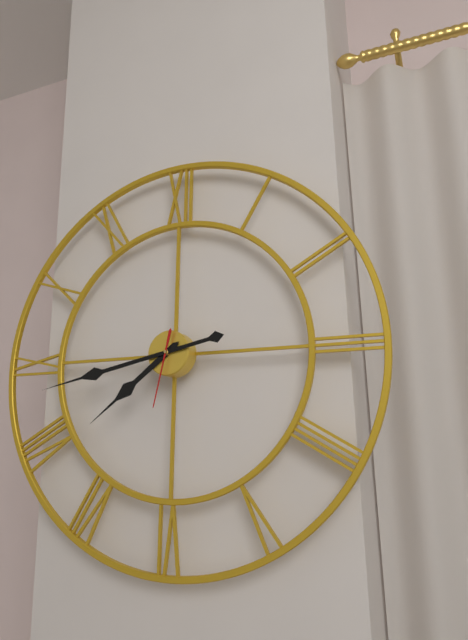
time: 7:43:32
